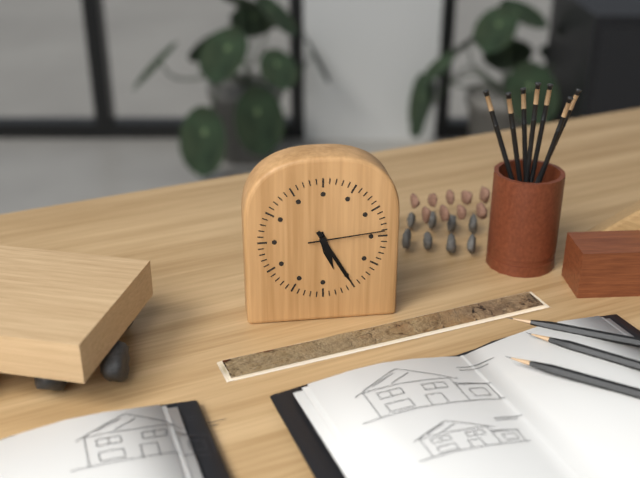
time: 5:25:14
